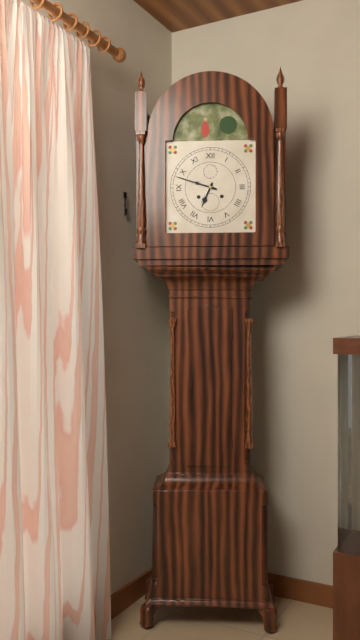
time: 6:48
